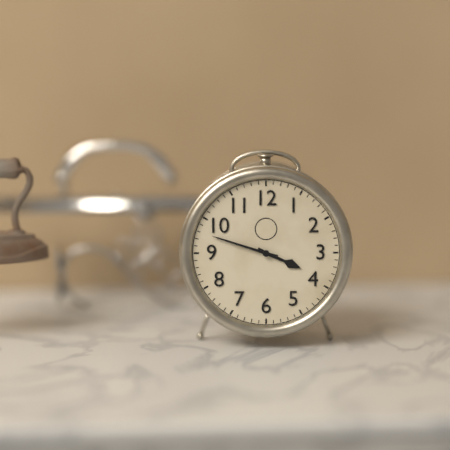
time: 3:48
